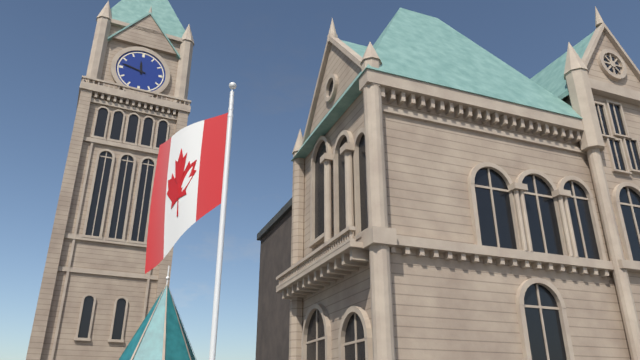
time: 11:47
